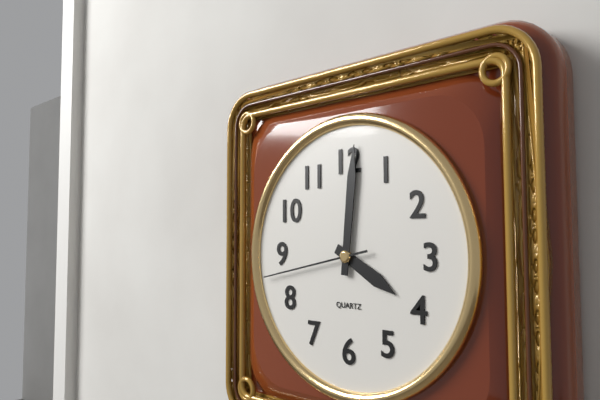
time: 4:01:43
